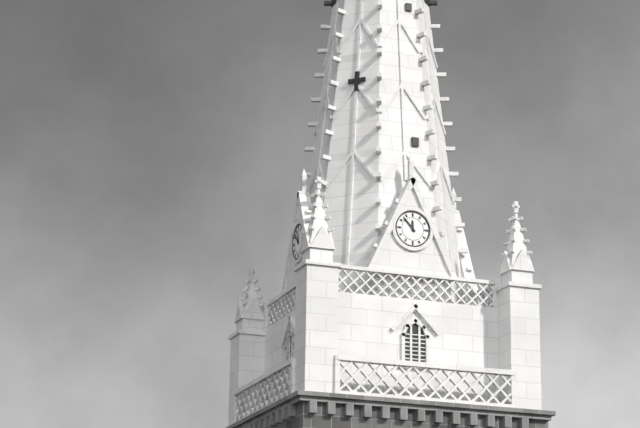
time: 11:53
